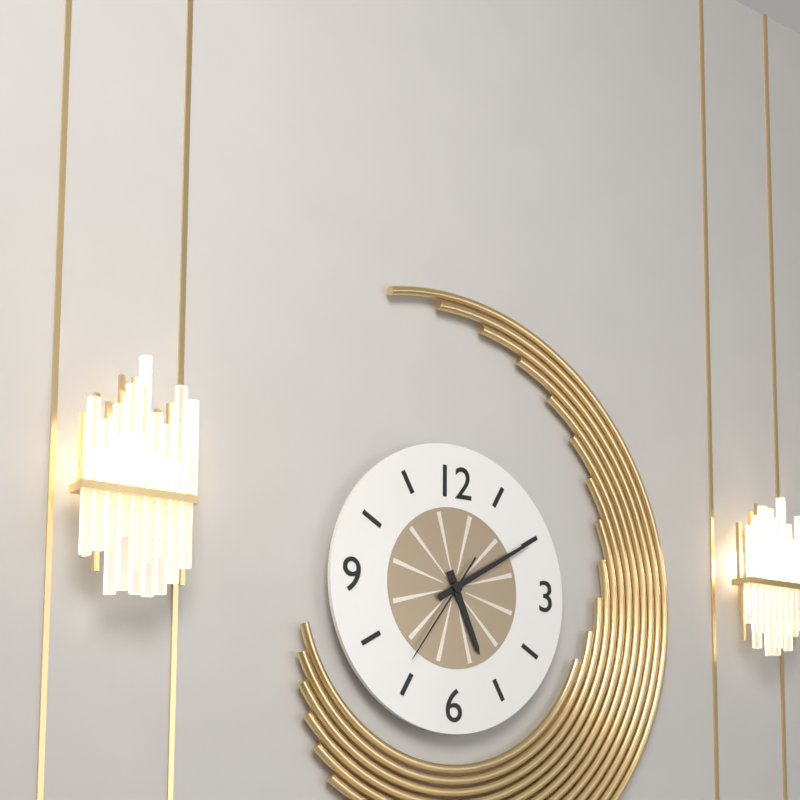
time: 5:10:36
